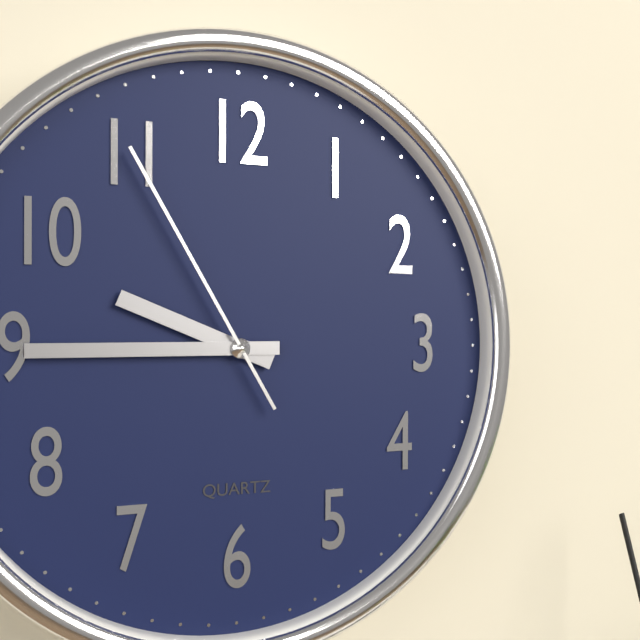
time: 9:45:55
